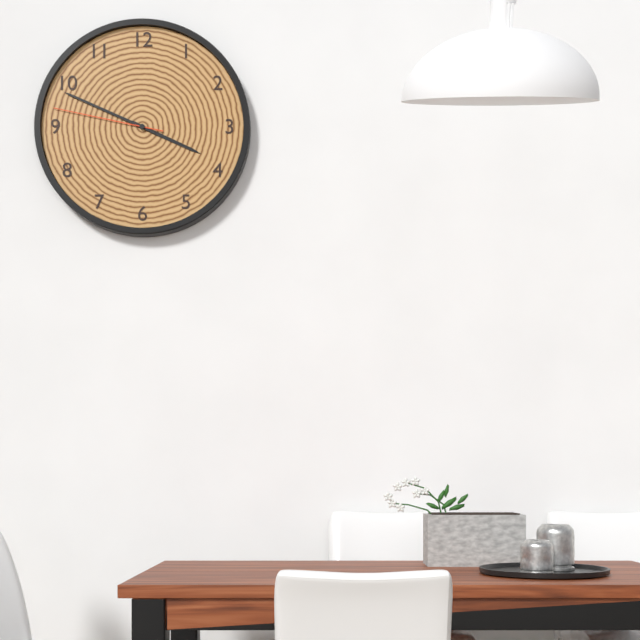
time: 3:49:47
